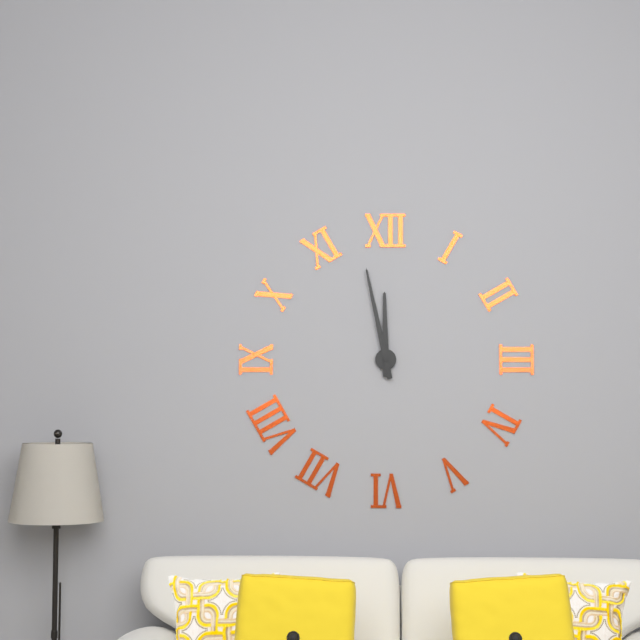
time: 11:58
